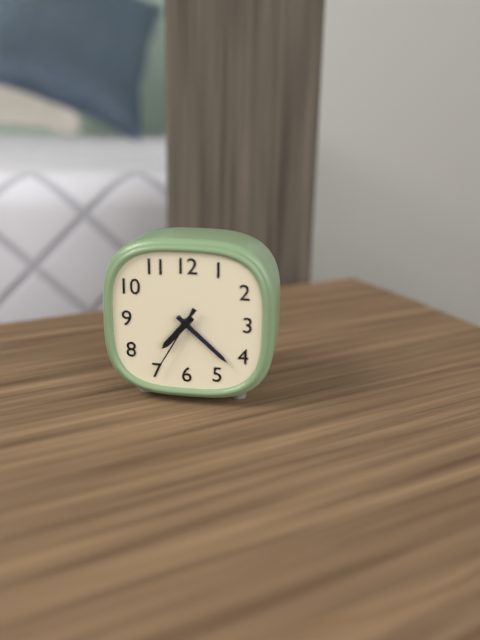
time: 7:22:35
